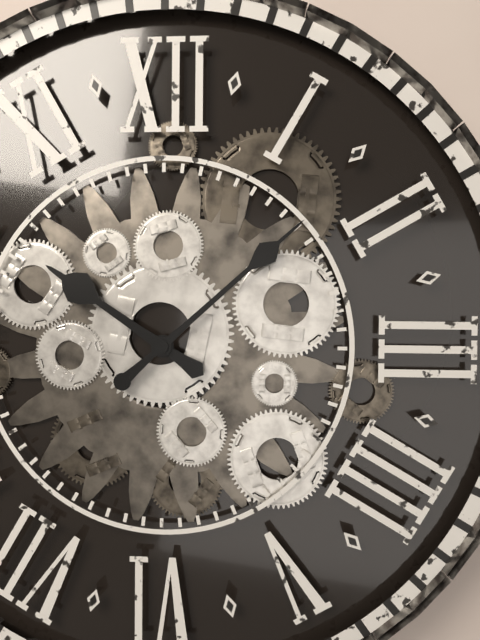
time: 10:08
